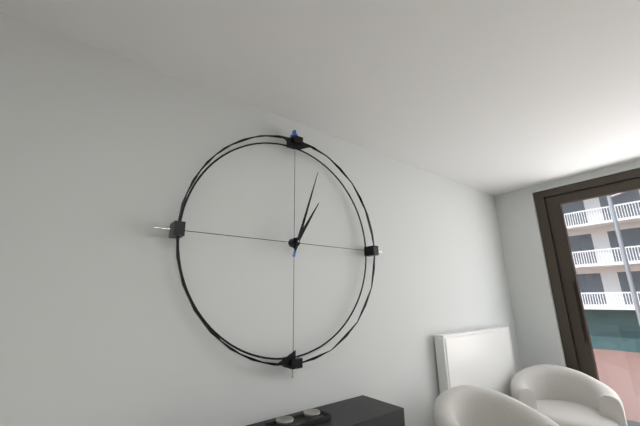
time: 1:03
